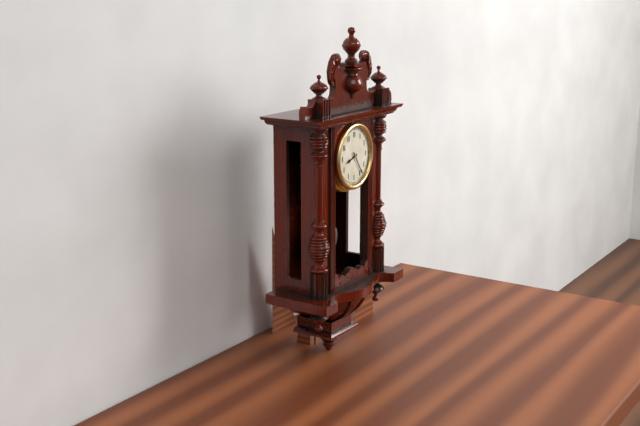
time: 8:24
